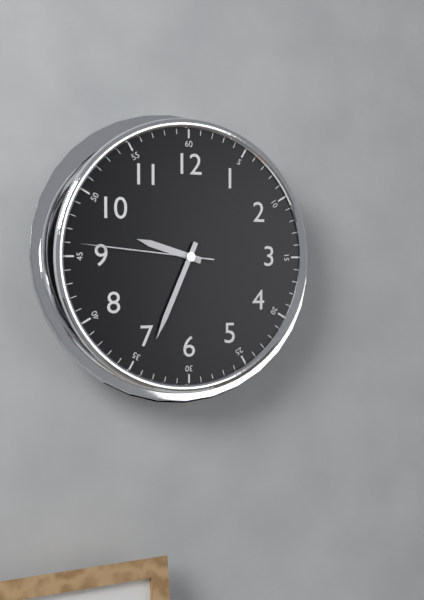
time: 9:34:46
